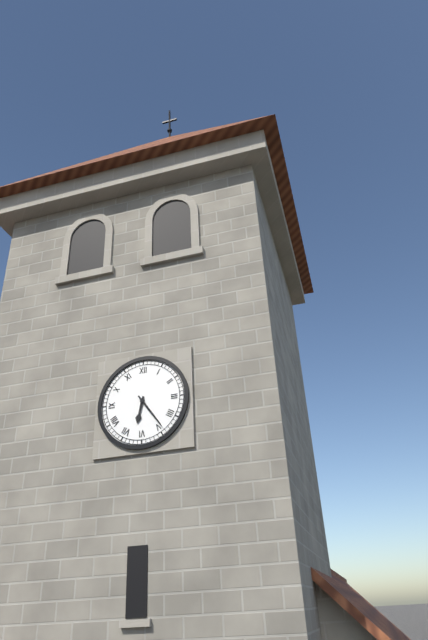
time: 6:24
